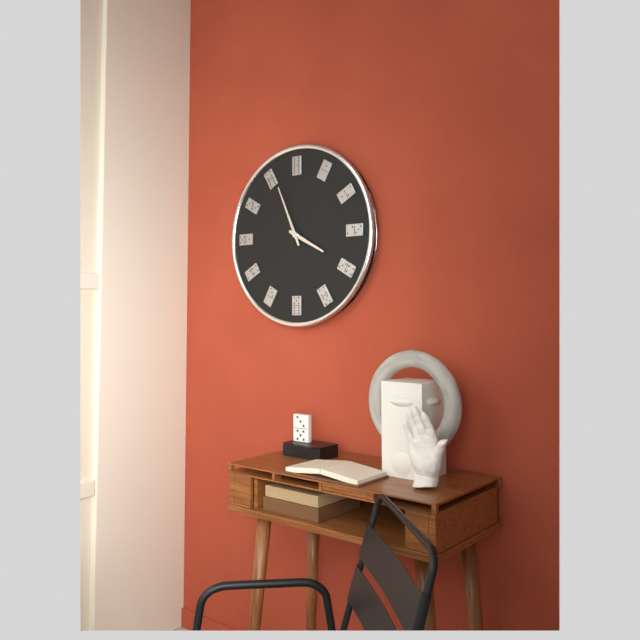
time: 3:56
